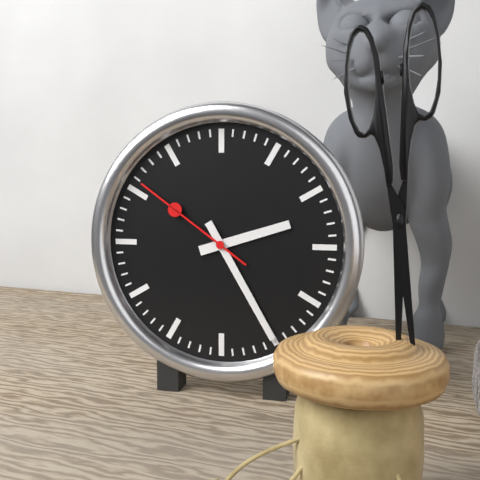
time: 2:25:51
